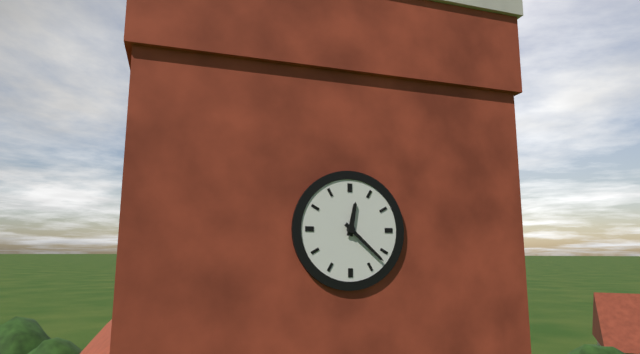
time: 12:22
